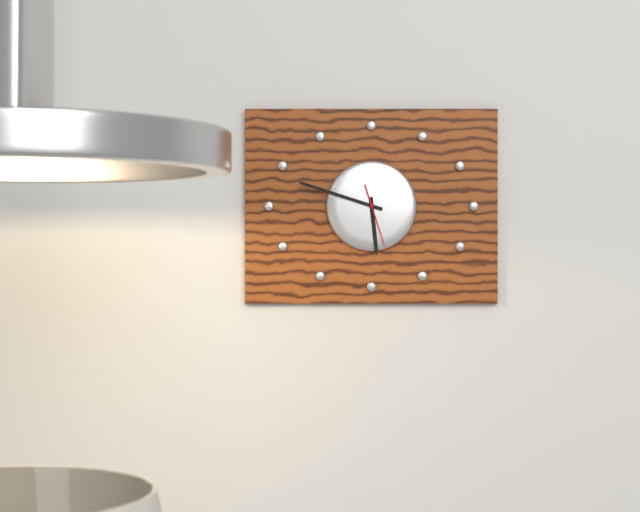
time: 5:48:27
